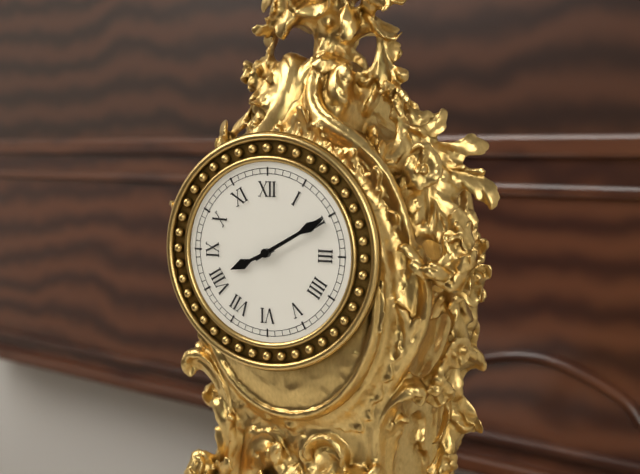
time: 8:10
